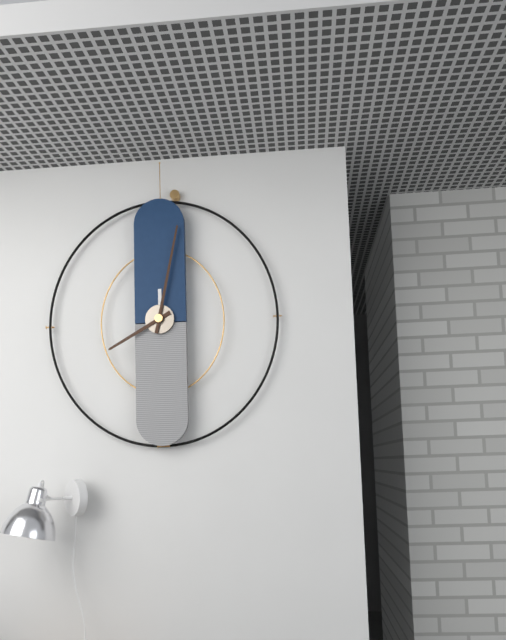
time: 8:02
